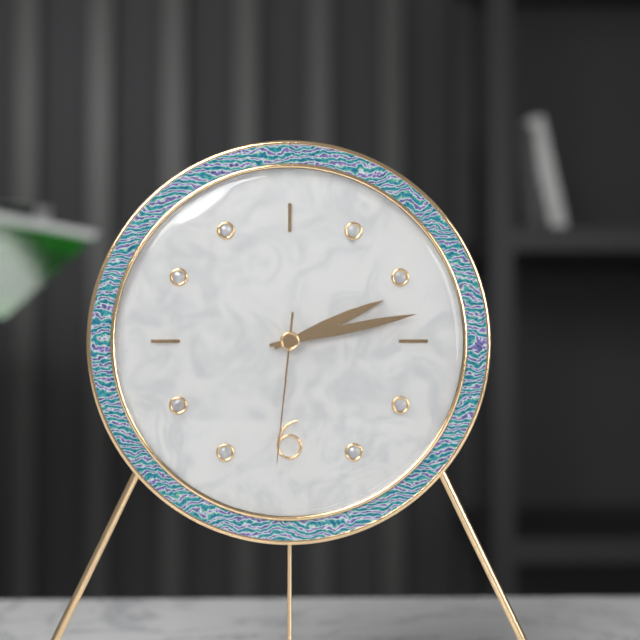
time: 2:13:31
